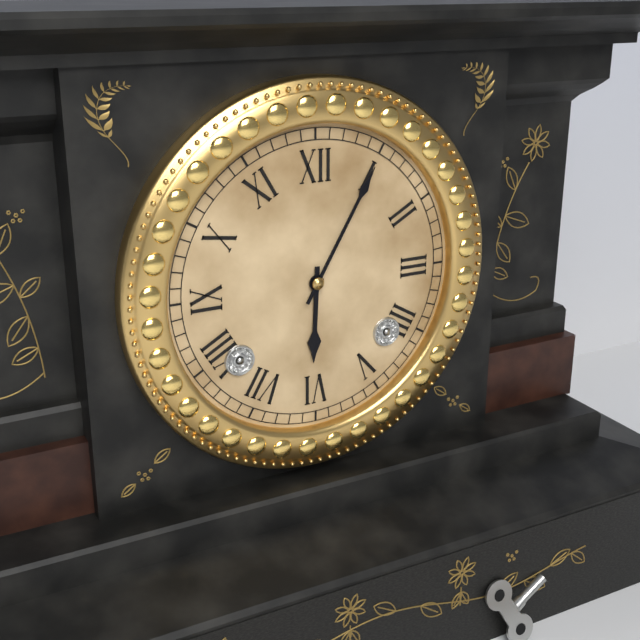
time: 6:05
